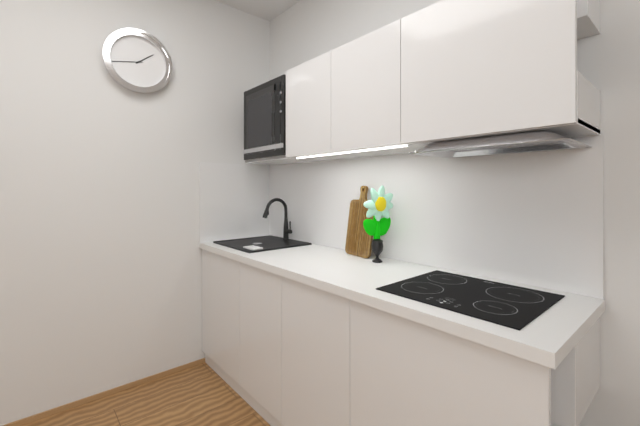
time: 1:43
